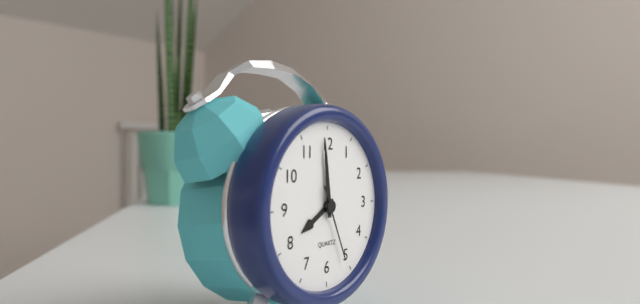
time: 7:59:26
